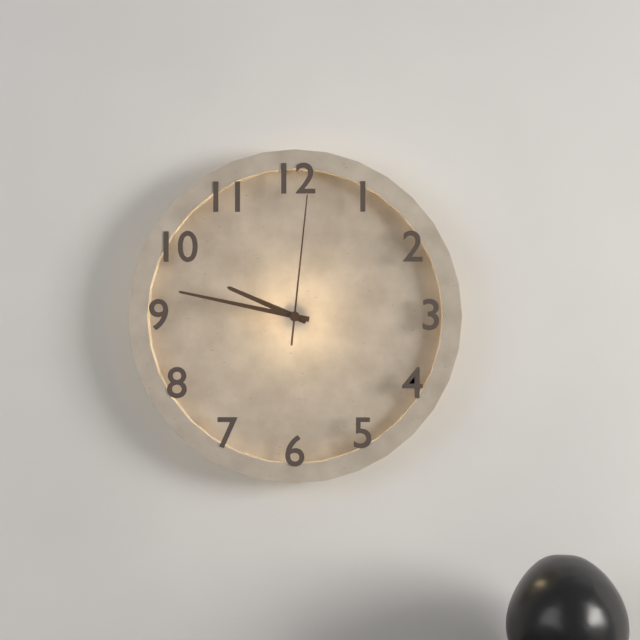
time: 9:47:01
